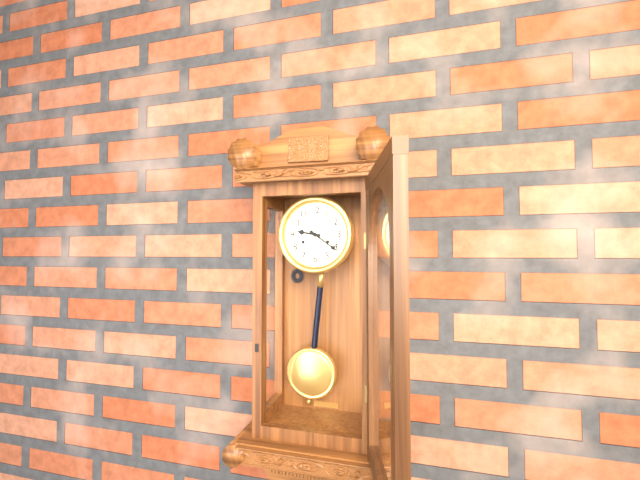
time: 9:21
